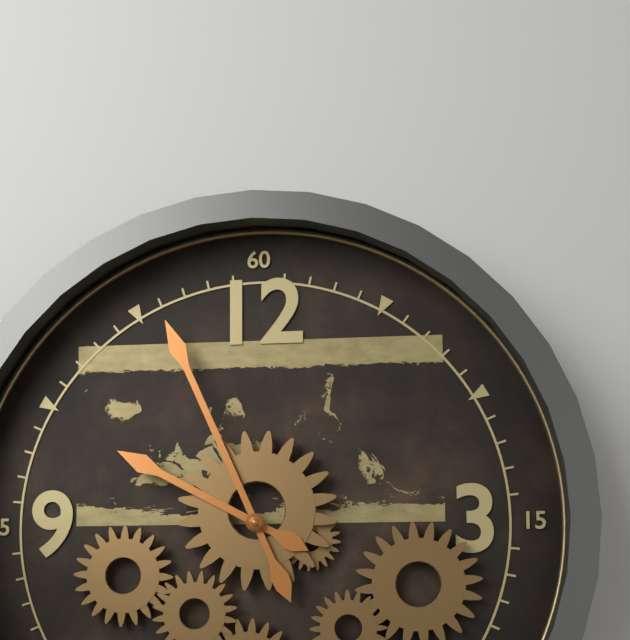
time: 9:56
